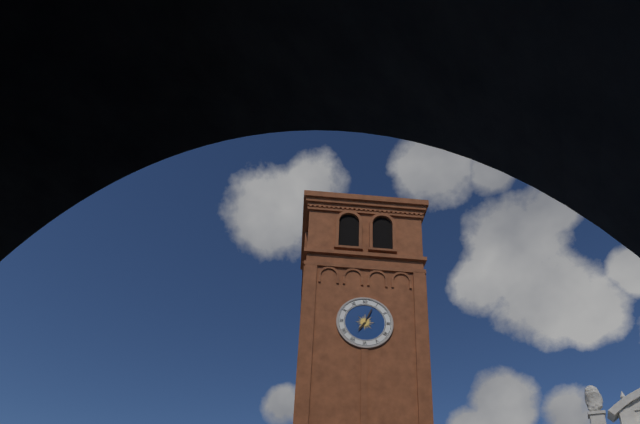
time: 7:04
